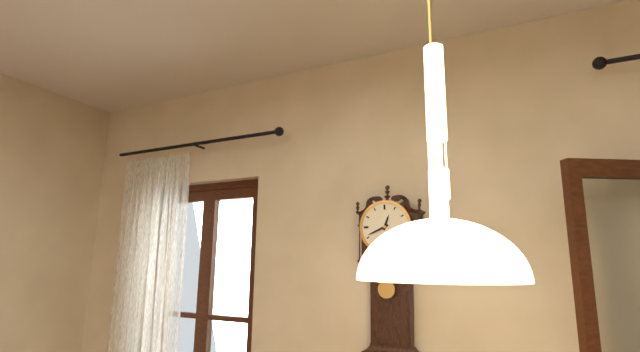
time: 12:41
